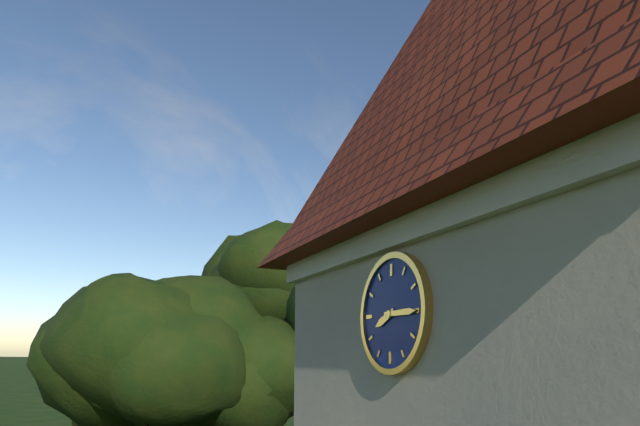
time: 8:15
